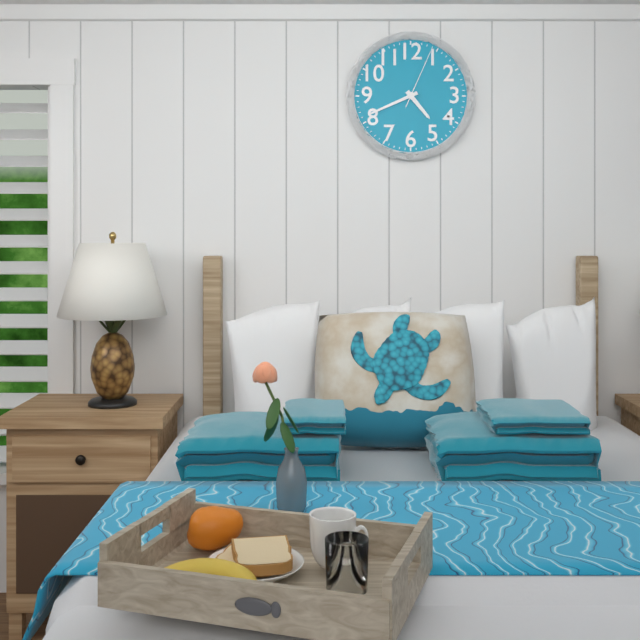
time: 4:41:04
